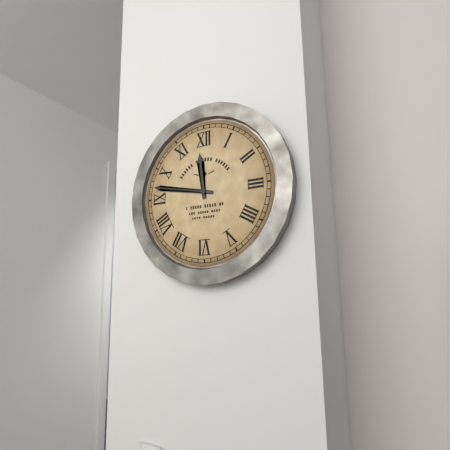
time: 11:47
